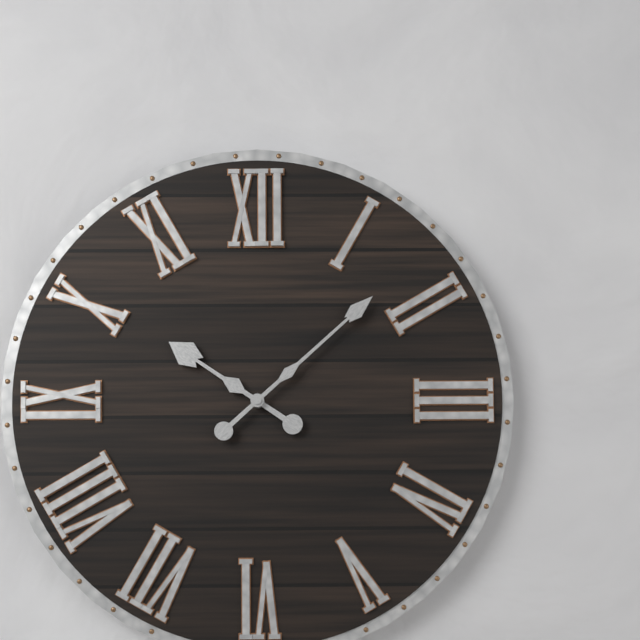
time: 10:08
